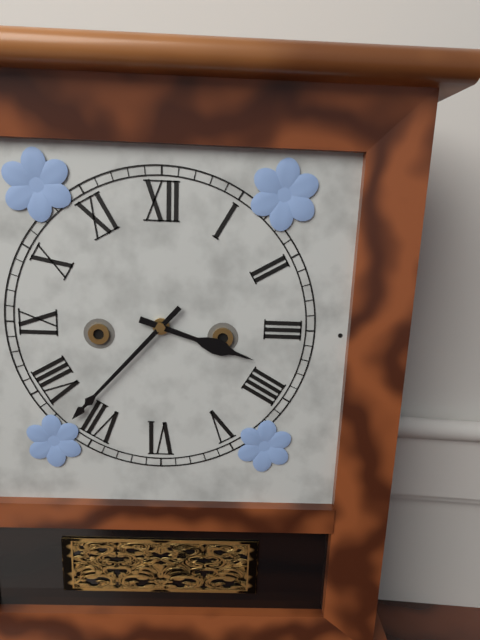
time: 3:37
